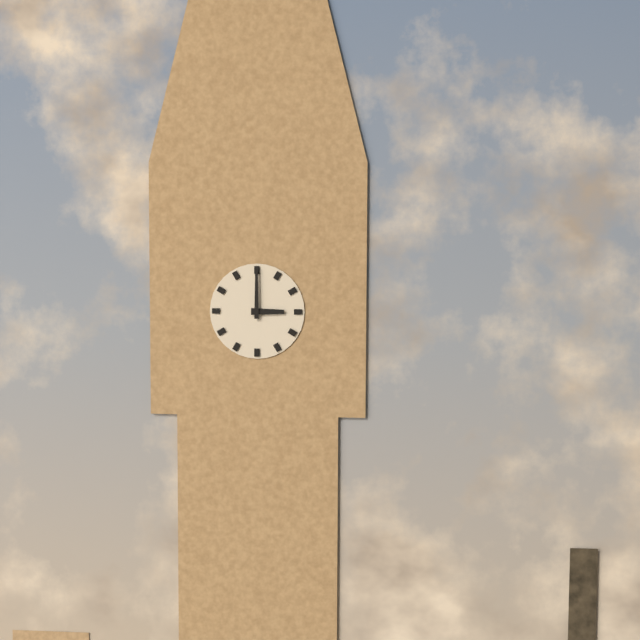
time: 3:00
